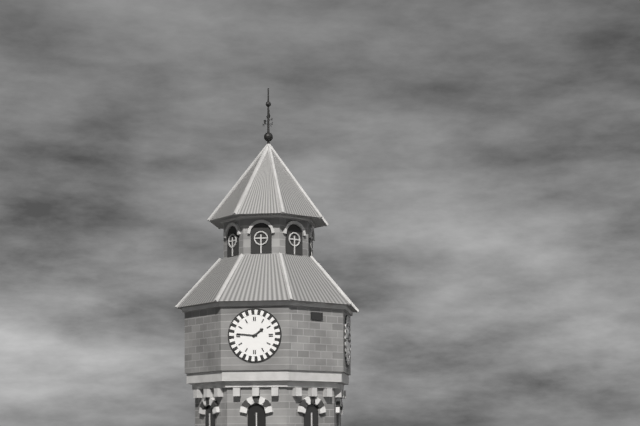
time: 1:46
